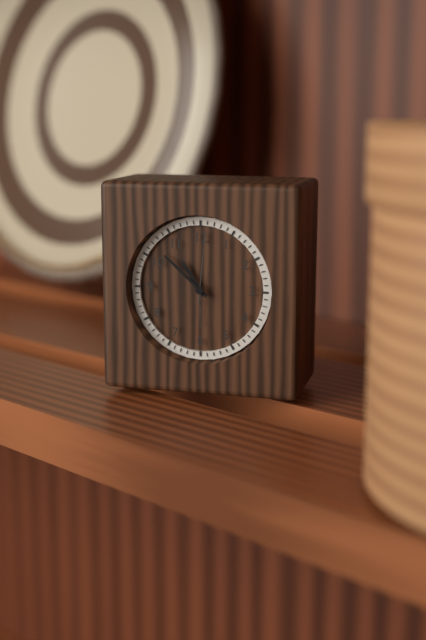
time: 10:52:01
